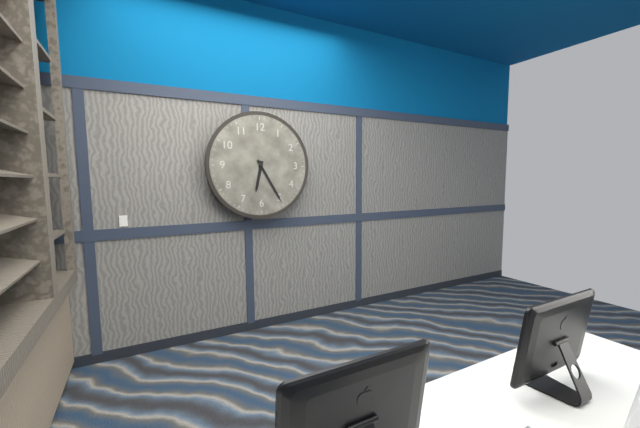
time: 6:25
